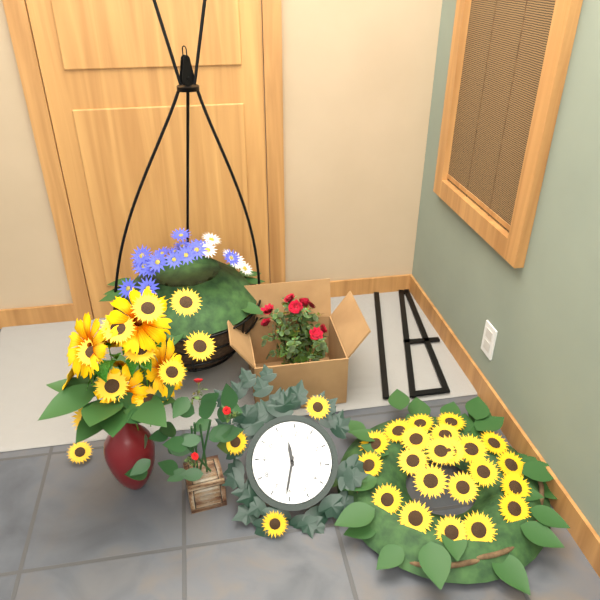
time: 11:31
